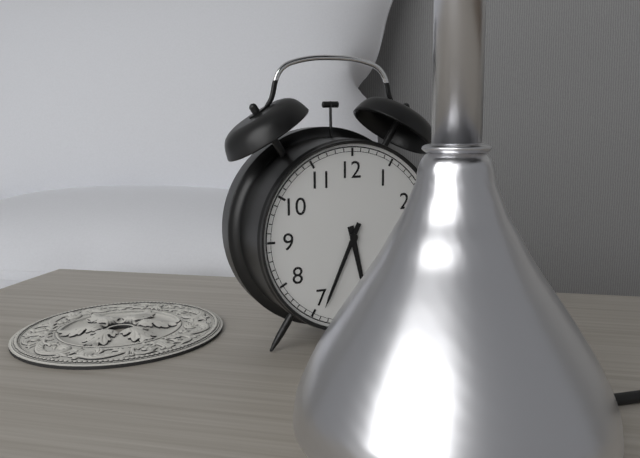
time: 5:34
